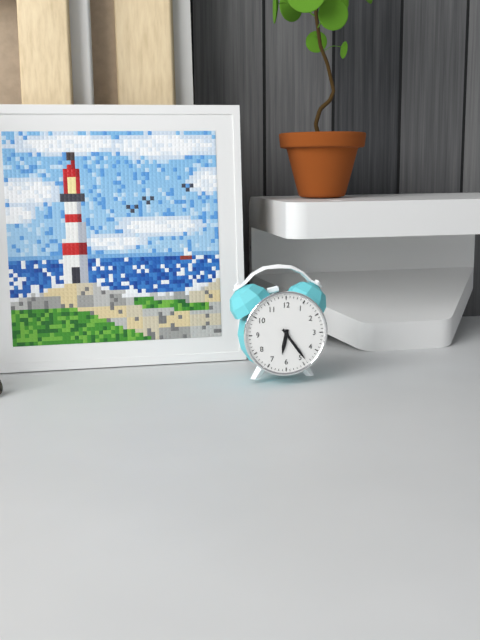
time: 6:24
